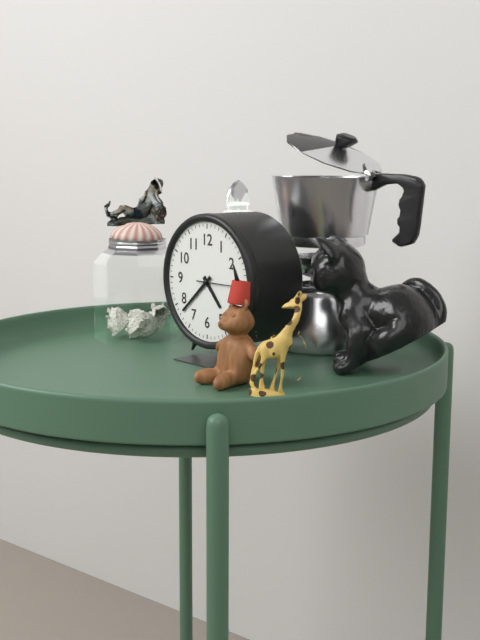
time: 4:38
